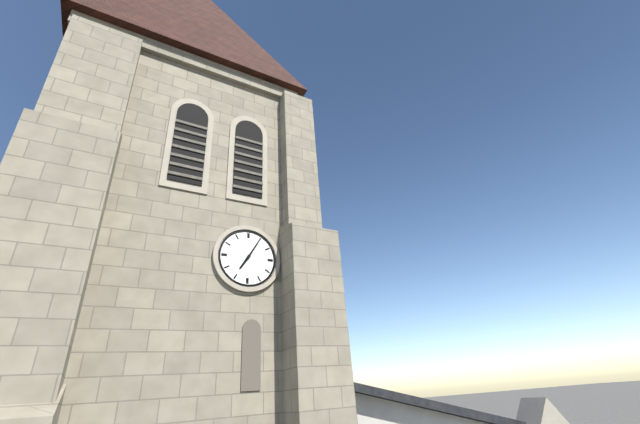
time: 7:05
